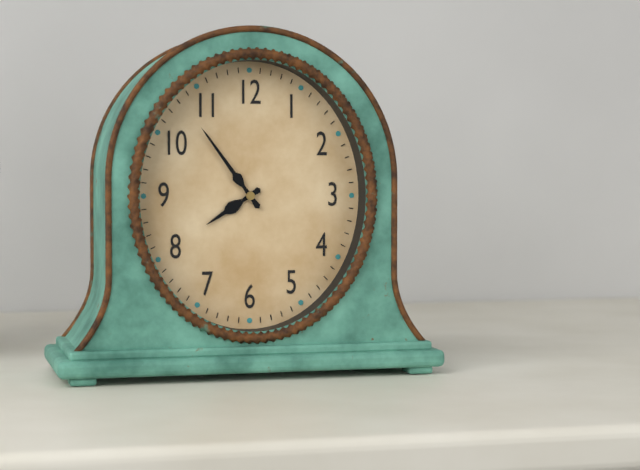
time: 7:54
